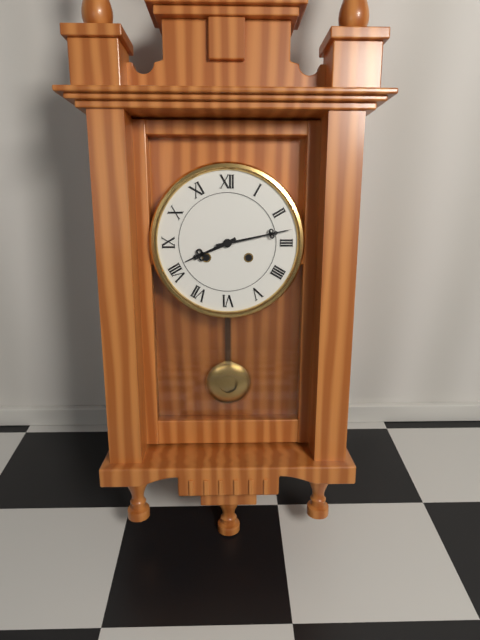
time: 8:13
